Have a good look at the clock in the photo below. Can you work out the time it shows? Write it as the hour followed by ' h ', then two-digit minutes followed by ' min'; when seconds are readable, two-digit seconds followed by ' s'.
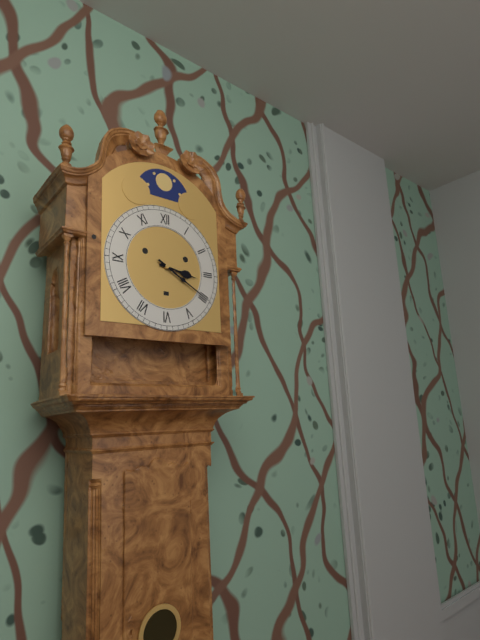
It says 3 h 20 min
